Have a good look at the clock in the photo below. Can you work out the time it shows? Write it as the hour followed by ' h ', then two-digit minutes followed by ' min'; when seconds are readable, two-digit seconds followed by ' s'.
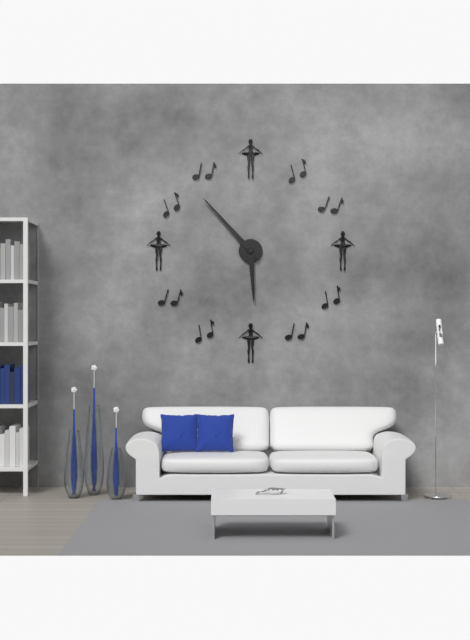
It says 5 h 53 min
